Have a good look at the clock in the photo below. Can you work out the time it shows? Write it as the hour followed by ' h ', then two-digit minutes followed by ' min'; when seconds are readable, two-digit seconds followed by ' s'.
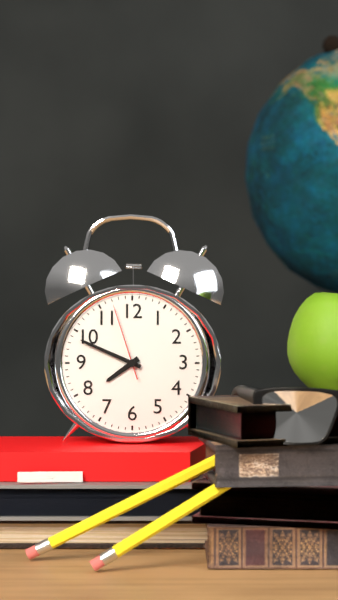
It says 7 h 49 min 57 s
